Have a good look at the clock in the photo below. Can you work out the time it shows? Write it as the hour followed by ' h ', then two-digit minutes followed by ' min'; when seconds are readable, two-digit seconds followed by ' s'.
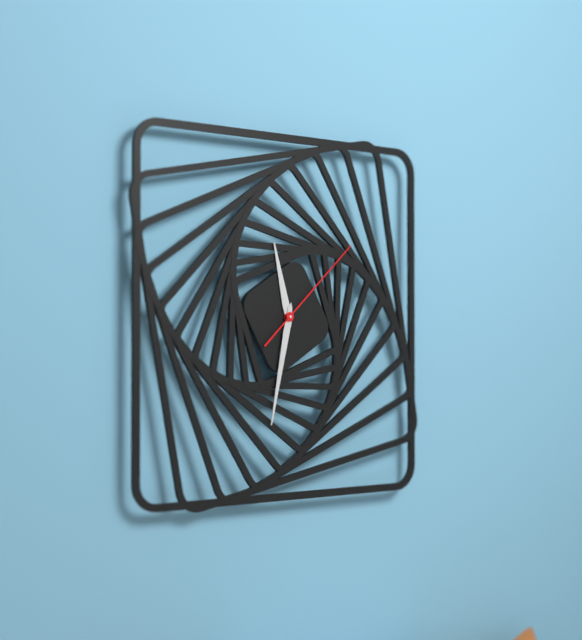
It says 11 h 32 min 08 s
